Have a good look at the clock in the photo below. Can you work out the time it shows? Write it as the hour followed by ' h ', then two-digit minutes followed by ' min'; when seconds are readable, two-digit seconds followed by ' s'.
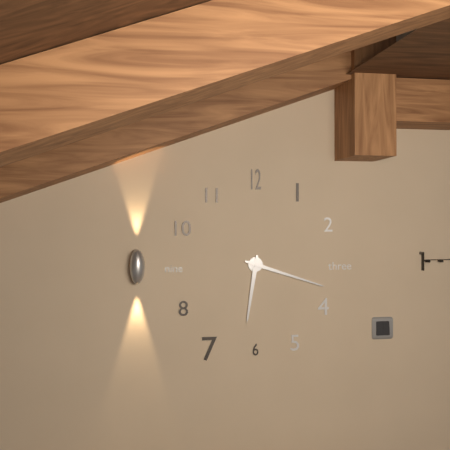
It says 6 h 18 min
